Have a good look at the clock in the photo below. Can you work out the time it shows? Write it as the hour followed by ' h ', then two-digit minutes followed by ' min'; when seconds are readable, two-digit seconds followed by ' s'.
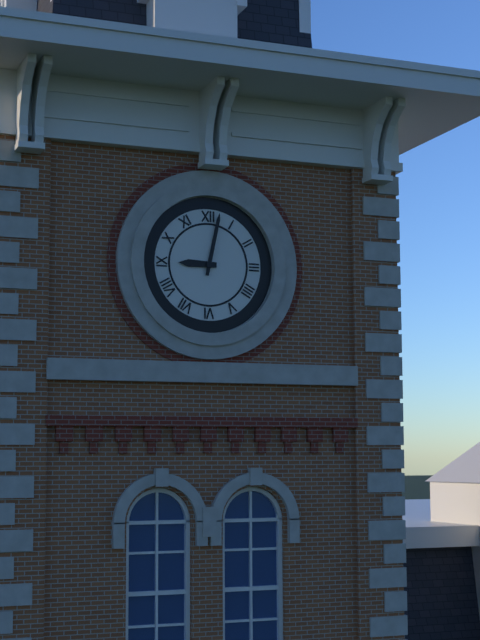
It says 9 h 02 min
